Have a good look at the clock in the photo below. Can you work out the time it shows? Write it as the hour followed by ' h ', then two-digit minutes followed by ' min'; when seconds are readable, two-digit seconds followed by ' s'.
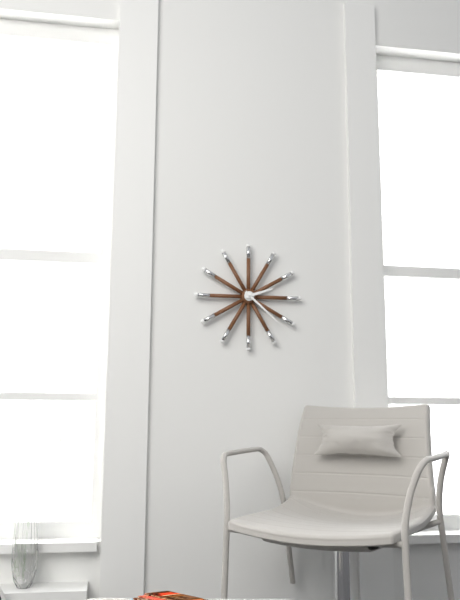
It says 2 h 22 min
